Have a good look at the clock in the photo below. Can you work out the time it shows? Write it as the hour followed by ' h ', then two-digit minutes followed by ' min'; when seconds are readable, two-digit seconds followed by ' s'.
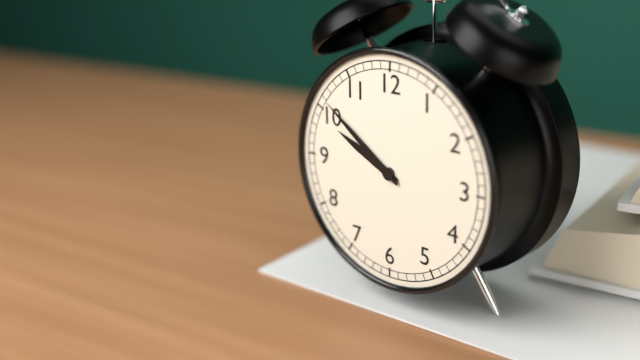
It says 9 h 51 min
